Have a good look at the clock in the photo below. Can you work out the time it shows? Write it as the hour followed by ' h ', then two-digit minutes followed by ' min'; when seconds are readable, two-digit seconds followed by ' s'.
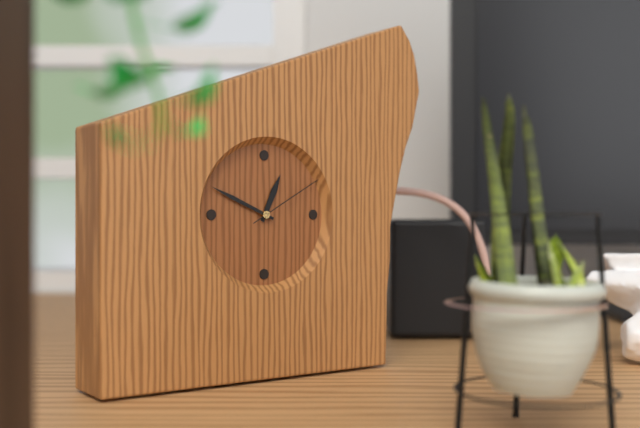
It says 12 h 49 min 10 s
